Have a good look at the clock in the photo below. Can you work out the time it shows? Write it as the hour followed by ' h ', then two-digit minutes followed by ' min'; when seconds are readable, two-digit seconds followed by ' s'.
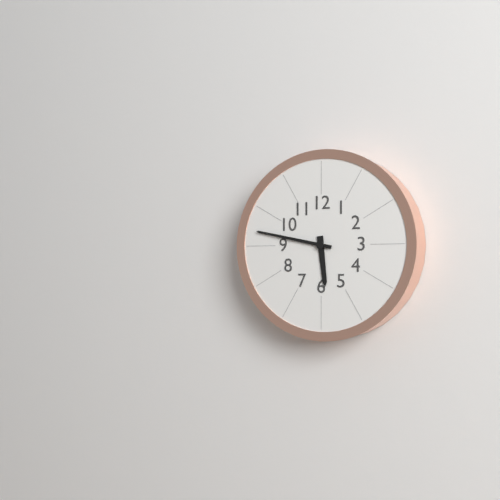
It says 5 h 47 min
